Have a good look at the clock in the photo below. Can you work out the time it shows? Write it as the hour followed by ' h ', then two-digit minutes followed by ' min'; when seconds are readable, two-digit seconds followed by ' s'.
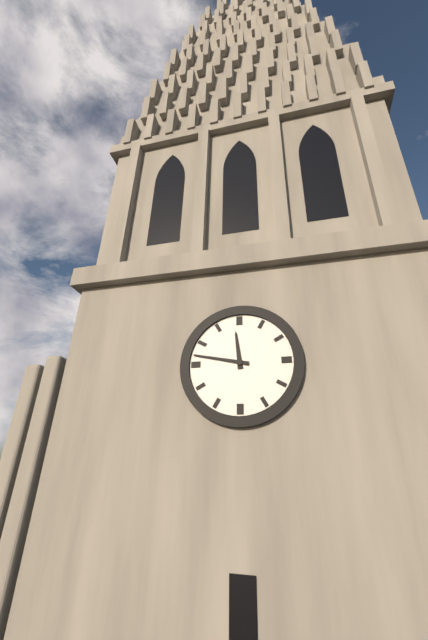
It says 11 h 47 min
